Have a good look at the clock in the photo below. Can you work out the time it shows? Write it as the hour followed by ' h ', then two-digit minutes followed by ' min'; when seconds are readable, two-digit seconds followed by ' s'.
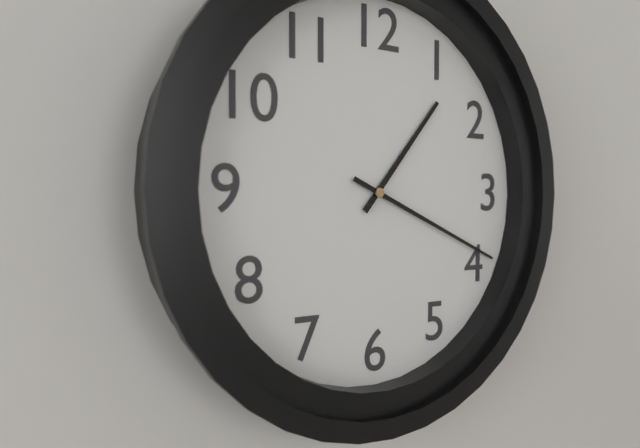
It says 1 h 19 min
